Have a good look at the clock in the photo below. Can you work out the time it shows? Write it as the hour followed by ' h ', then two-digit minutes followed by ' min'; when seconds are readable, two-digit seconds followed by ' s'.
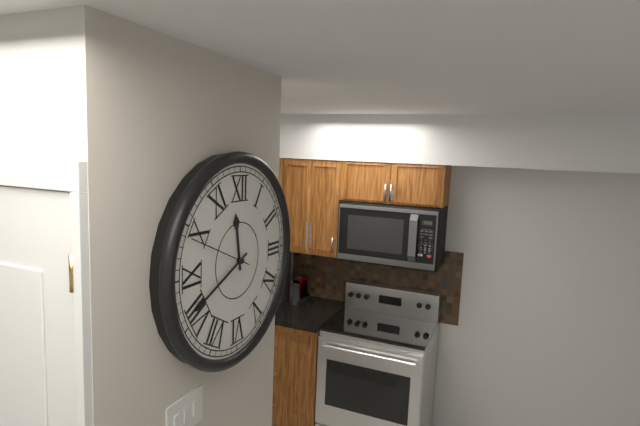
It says 11 h 41 min 49 s
